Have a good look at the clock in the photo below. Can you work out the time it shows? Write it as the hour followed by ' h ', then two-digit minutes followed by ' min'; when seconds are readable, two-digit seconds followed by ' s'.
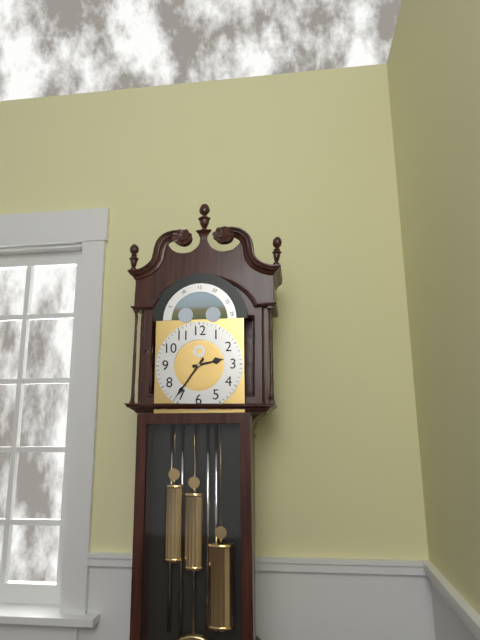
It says 2 h 36 min
